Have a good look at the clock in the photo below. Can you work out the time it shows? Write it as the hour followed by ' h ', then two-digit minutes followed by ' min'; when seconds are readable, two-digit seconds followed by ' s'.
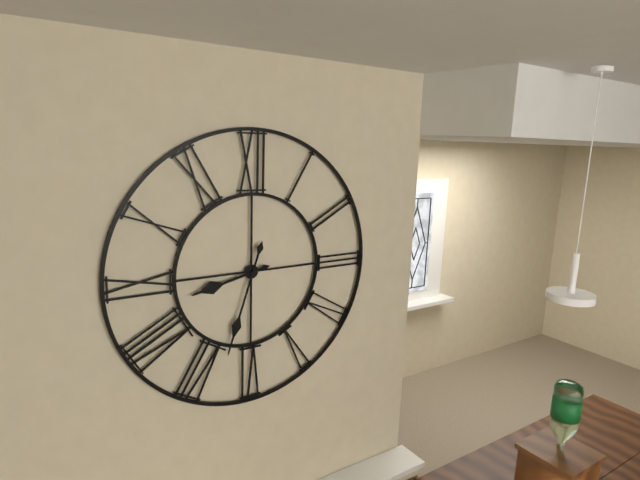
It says 8 h 33 min
